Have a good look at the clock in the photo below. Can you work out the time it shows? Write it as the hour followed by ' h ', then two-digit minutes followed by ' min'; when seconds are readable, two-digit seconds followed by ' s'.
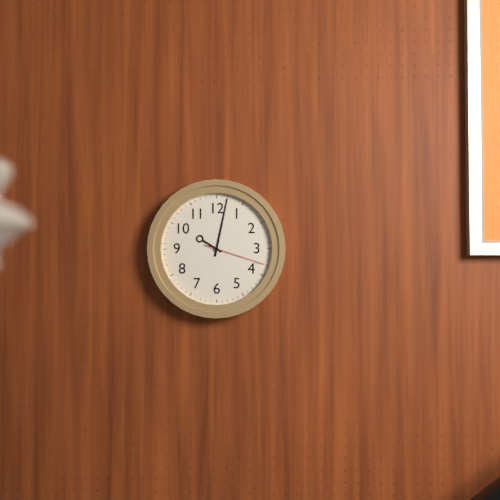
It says 10 h 02 min 18 s
